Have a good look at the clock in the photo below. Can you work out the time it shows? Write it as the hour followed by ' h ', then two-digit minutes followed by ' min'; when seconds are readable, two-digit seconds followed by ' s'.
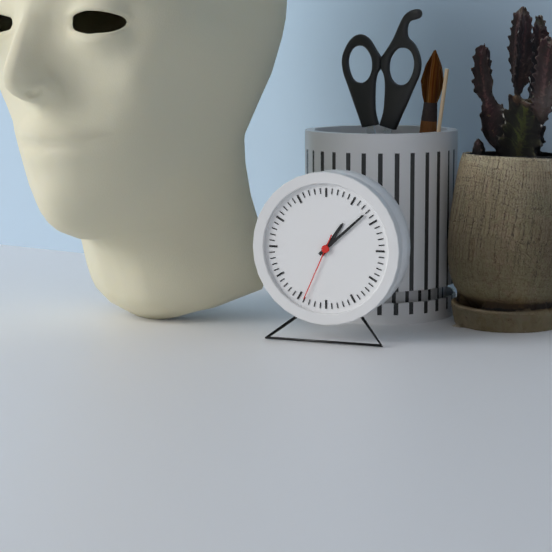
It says 1 h 08 min 34 s
